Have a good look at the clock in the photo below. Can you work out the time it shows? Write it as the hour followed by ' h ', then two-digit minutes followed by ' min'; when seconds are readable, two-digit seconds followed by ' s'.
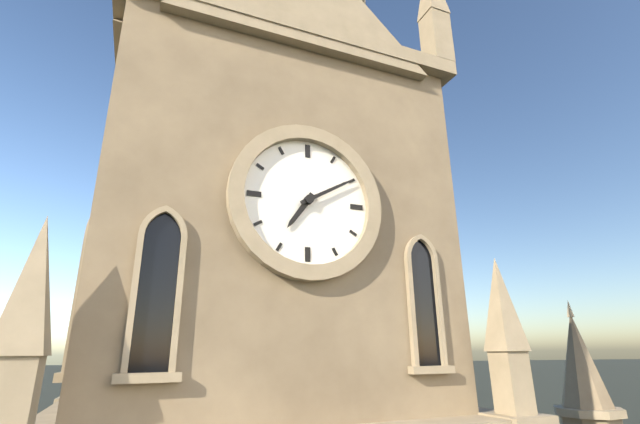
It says 7 h 10 min
